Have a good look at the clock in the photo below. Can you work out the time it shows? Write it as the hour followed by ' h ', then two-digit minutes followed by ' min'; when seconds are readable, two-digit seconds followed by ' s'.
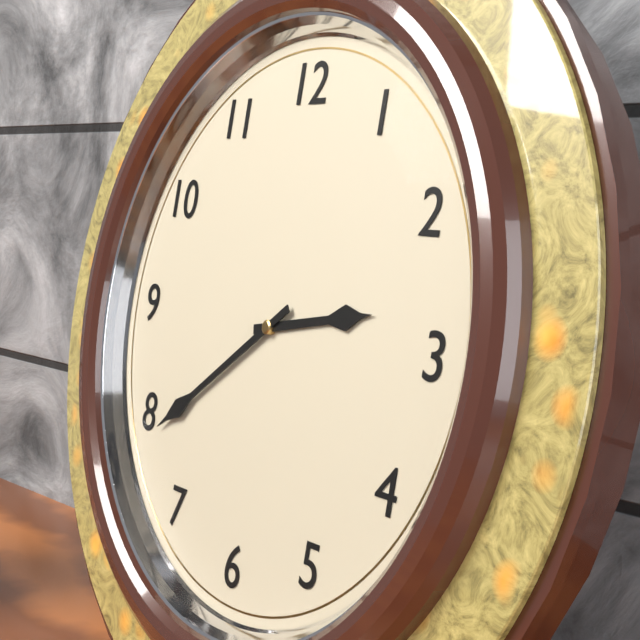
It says 2 h 39 min
